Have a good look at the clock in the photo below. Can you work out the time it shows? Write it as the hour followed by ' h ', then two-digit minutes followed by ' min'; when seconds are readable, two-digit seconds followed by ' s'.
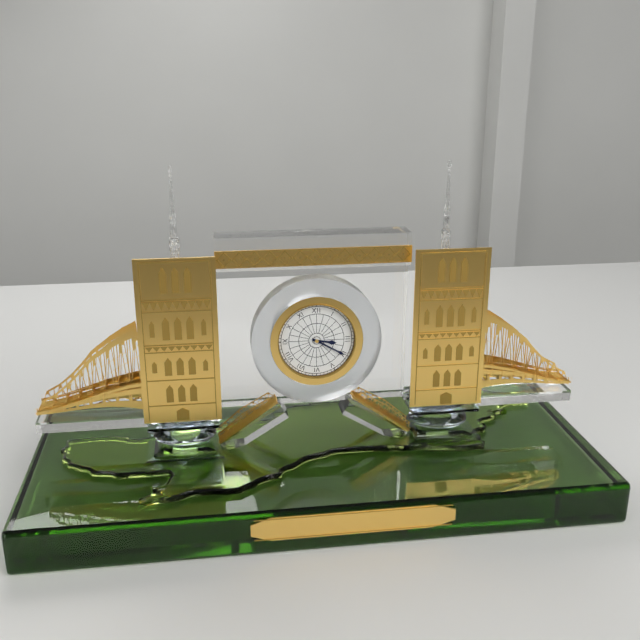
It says 3 h 20 min
